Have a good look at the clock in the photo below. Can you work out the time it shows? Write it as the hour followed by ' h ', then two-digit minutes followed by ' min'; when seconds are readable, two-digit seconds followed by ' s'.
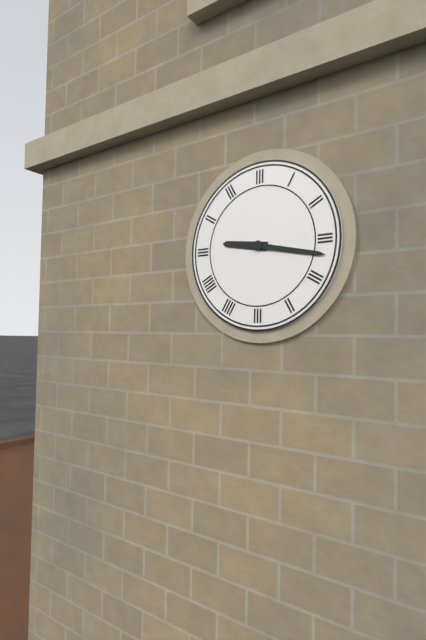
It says 9 h 17 min
